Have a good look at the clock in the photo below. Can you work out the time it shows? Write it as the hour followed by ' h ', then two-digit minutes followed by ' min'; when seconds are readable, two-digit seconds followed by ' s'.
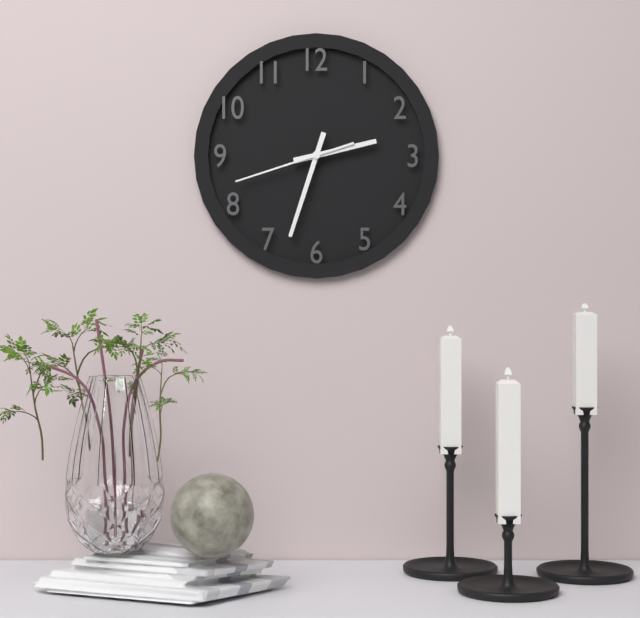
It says 2 h 33 min 42 s
